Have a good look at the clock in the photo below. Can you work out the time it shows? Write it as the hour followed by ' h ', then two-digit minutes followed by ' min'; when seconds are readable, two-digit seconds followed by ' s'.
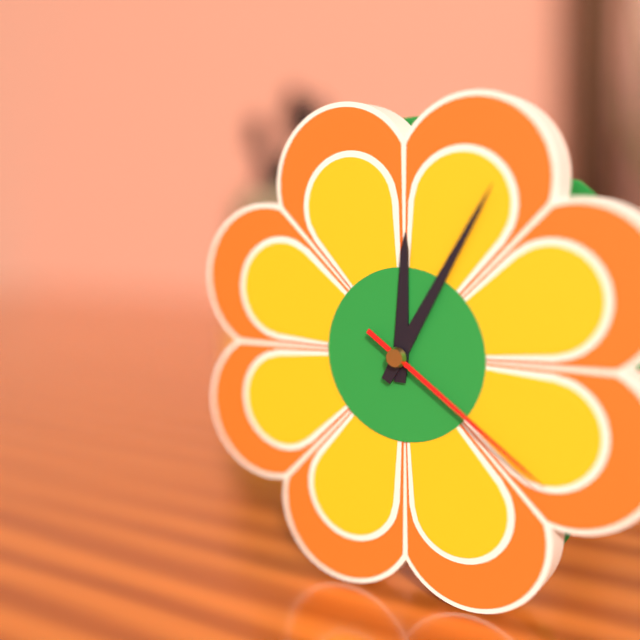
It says 12 h 05 min 21 s
